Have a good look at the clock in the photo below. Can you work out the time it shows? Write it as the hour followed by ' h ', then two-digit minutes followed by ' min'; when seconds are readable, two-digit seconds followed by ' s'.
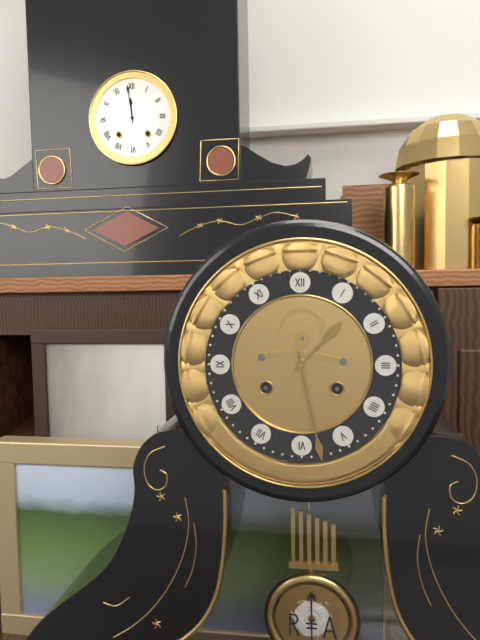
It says 1 h 28 min
